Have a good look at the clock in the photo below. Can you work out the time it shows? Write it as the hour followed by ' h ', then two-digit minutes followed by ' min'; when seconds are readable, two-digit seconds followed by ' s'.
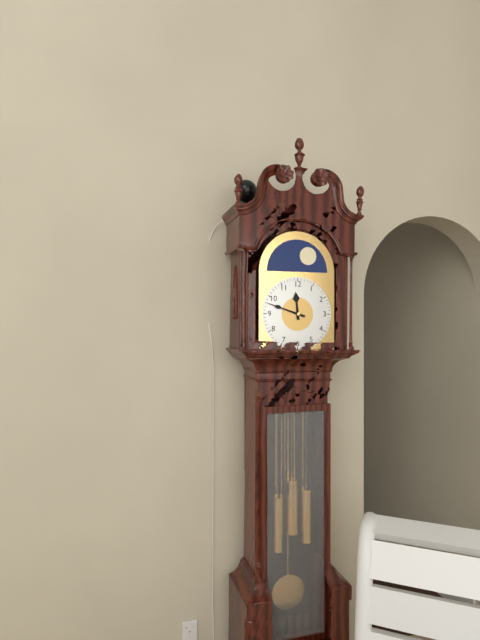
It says 11 h 48 min
